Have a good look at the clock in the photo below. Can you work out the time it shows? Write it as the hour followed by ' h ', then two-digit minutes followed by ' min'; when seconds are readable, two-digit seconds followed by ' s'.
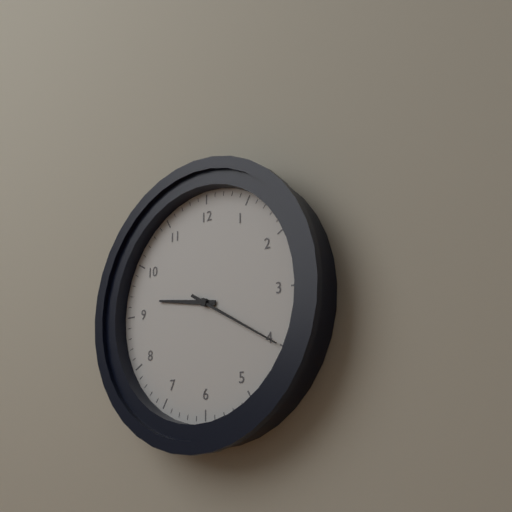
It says 9 h 20 min
